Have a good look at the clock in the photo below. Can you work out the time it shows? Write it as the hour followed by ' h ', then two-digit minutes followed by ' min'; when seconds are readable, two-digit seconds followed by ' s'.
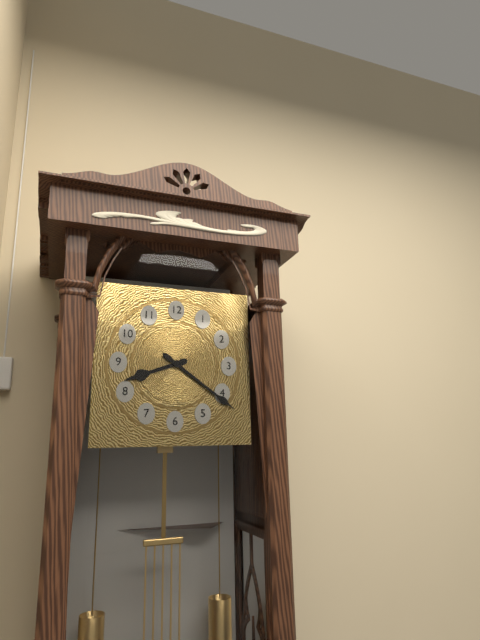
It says 8 h 21 min
